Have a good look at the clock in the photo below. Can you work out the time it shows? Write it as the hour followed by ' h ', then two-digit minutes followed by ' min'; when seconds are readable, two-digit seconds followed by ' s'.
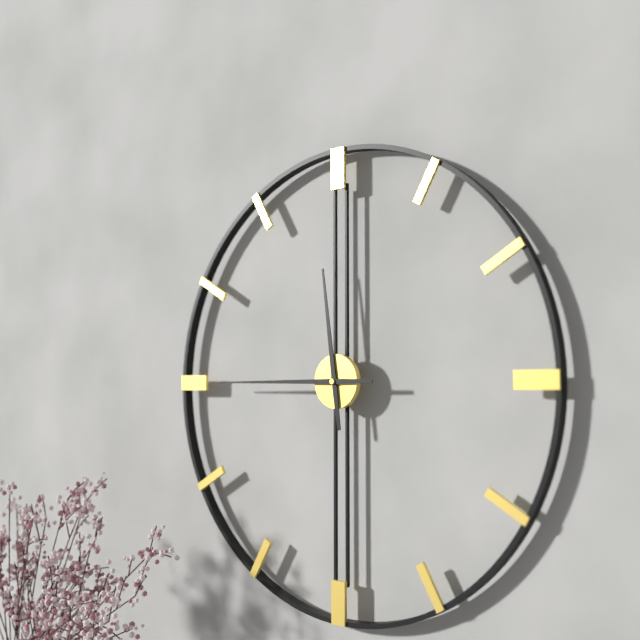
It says 11 h 45 min
